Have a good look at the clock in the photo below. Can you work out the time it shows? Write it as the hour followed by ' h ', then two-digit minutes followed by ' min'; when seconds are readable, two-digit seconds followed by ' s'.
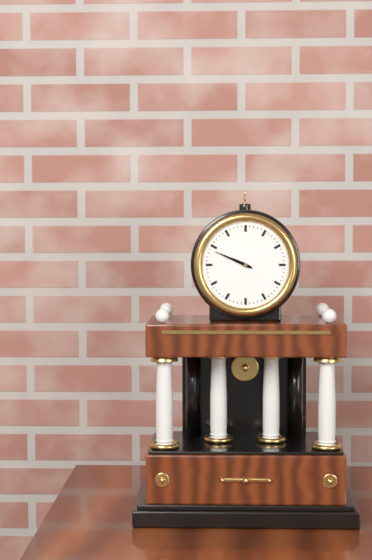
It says 9 h 49 min
